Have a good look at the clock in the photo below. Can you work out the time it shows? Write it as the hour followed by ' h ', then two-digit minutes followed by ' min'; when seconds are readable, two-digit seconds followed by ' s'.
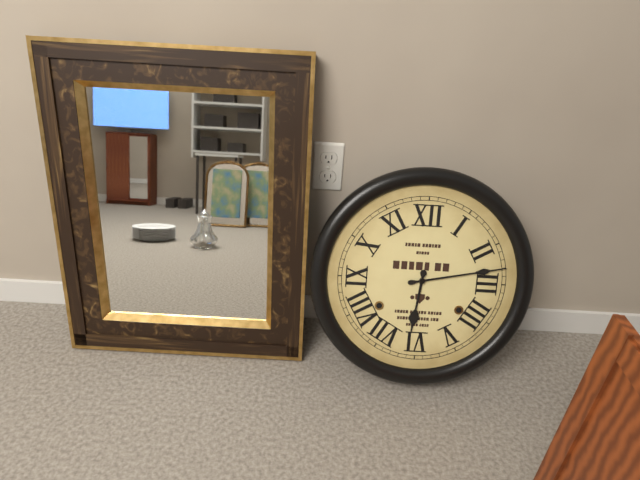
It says 6 h 13 min
